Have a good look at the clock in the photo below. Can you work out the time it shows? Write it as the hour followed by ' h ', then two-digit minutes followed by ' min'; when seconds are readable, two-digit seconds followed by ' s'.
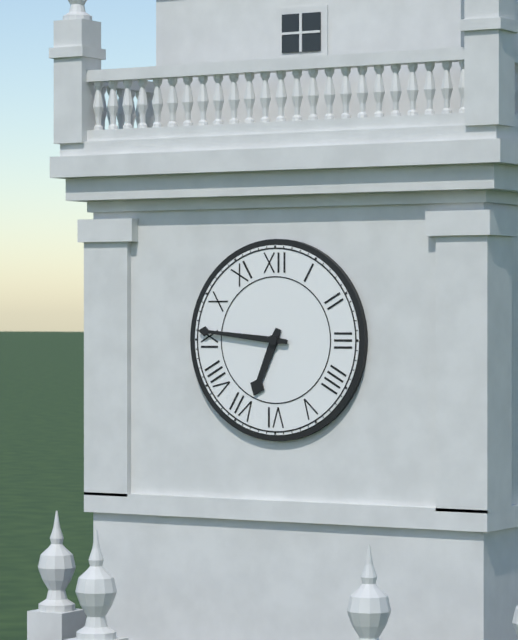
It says 6 h 46 min
